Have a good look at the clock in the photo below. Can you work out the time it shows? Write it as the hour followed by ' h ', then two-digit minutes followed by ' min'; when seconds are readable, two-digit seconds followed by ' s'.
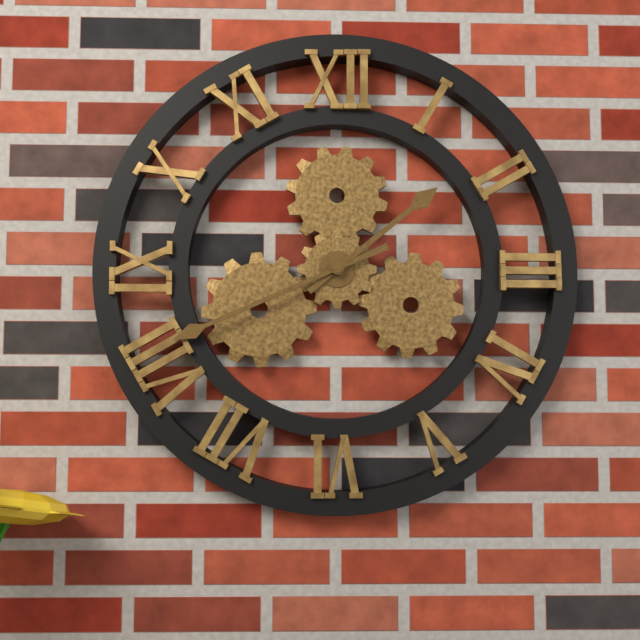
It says 1 h 41 min
